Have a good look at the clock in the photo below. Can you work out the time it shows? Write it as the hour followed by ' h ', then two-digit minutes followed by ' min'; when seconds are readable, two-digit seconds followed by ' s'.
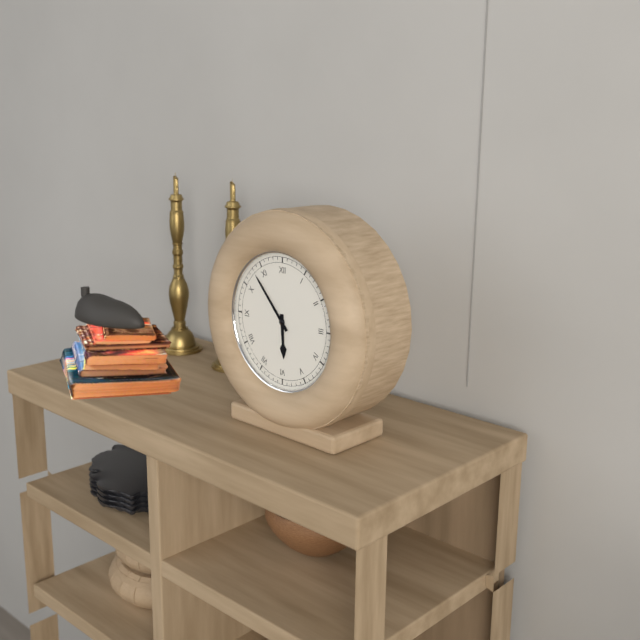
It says 5 h 53 min
